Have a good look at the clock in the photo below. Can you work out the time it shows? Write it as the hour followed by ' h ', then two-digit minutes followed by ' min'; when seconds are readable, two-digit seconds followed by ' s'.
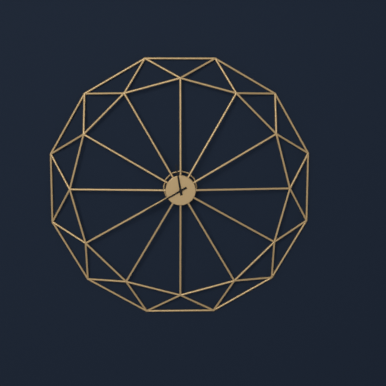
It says 11 h 40 min
